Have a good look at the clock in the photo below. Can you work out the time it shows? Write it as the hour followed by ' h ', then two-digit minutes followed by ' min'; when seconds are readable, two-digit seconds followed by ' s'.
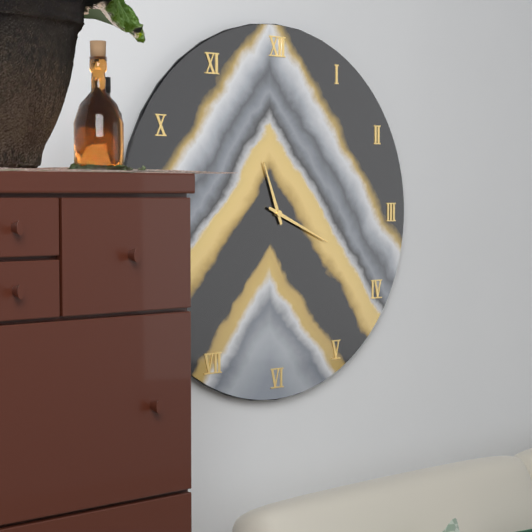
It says 11 h 19 min
